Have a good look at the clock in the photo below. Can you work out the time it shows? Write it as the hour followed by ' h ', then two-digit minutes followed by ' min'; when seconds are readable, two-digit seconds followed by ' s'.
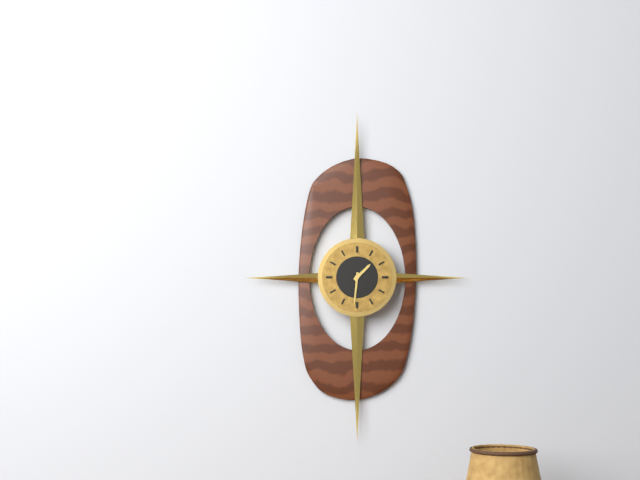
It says 1 h 31 min
